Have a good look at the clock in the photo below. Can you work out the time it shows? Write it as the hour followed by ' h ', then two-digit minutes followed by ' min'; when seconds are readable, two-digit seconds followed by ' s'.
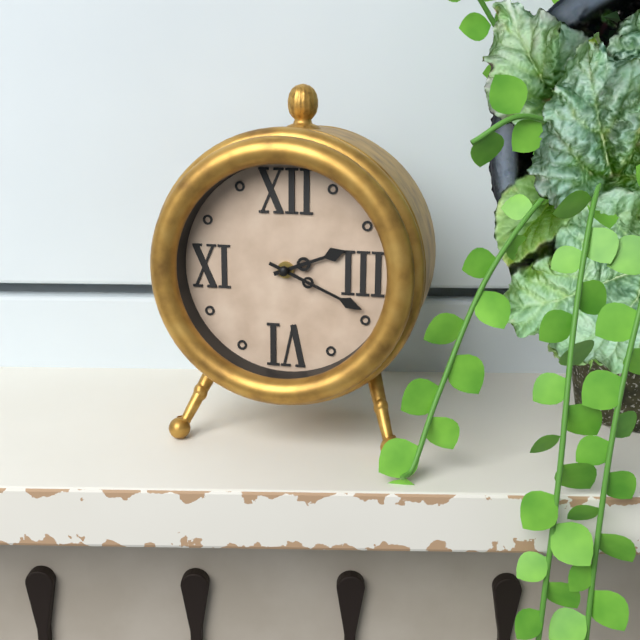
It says 2 h 19 min
